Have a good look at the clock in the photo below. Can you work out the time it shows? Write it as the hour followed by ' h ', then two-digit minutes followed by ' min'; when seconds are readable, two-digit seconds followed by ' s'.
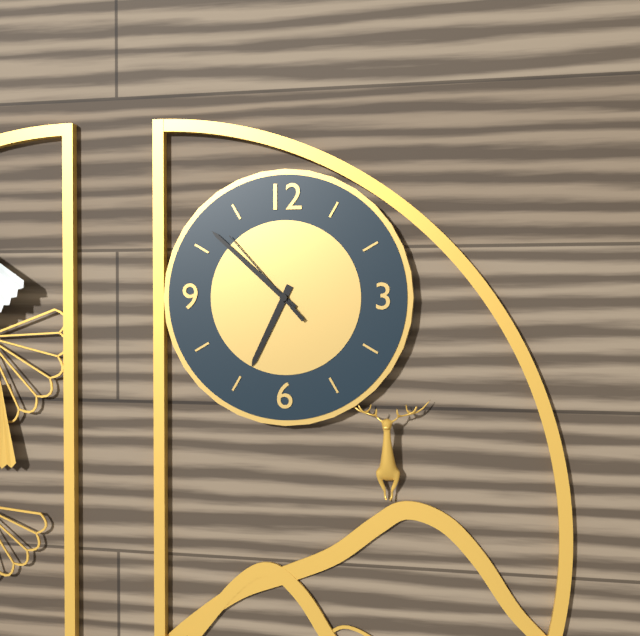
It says 6 h 52 min 53 s
